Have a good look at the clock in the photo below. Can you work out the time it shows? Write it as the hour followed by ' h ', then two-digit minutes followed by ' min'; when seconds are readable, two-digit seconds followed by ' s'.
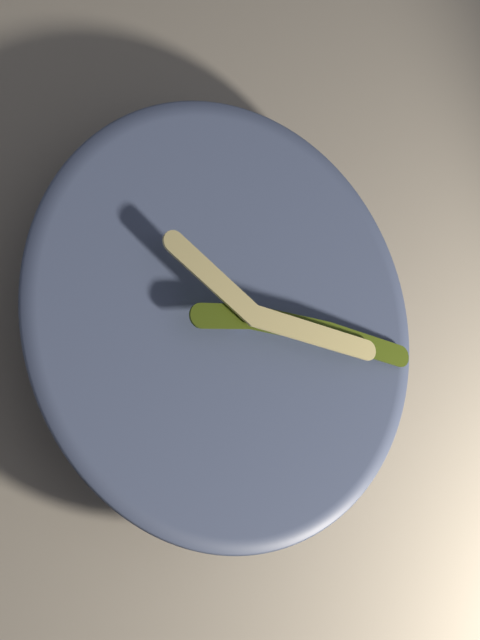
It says 3 h 16 min
